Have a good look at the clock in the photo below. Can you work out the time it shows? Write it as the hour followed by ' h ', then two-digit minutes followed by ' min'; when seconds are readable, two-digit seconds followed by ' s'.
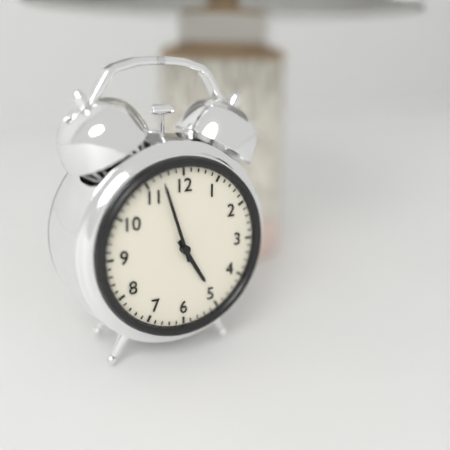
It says 4 h 57 min
